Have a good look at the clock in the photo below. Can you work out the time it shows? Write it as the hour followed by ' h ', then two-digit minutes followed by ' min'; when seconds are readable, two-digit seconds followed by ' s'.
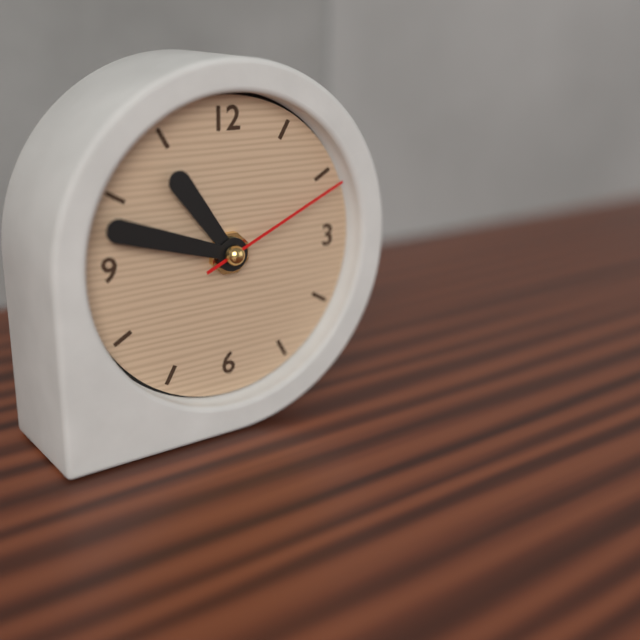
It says 10 h 48 min 11 s
